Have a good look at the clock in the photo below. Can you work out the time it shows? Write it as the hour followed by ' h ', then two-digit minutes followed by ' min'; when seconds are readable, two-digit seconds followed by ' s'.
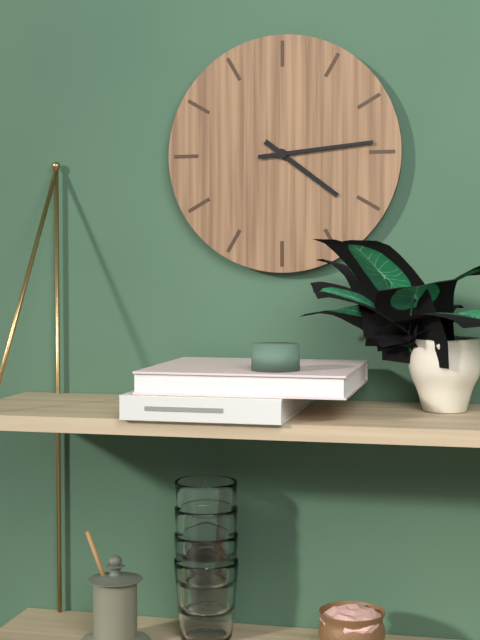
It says 4 h 14 min
